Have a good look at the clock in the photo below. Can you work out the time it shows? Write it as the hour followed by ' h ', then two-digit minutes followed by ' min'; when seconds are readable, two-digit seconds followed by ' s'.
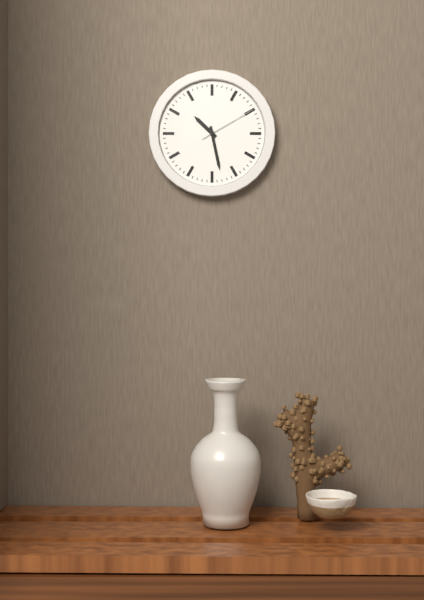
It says 10 h 28 min 10 s
